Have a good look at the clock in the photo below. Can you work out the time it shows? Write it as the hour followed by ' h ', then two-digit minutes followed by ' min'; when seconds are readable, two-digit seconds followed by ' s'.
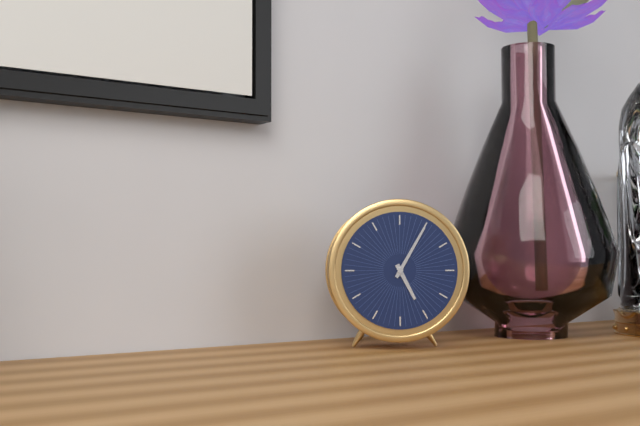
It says 5 h 05 min
